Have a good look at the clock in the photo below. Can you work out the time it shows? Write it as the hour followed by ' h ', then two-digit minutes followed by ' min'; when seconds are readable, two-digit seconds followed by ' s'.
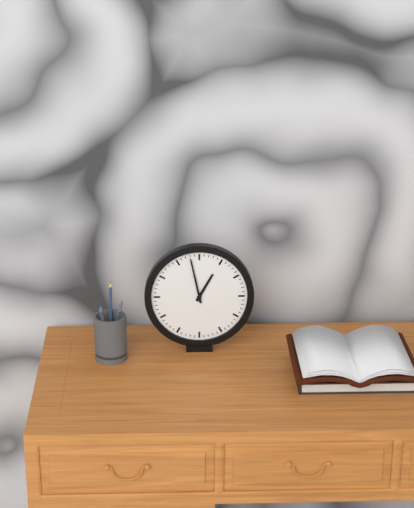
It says 12 h 58 min
